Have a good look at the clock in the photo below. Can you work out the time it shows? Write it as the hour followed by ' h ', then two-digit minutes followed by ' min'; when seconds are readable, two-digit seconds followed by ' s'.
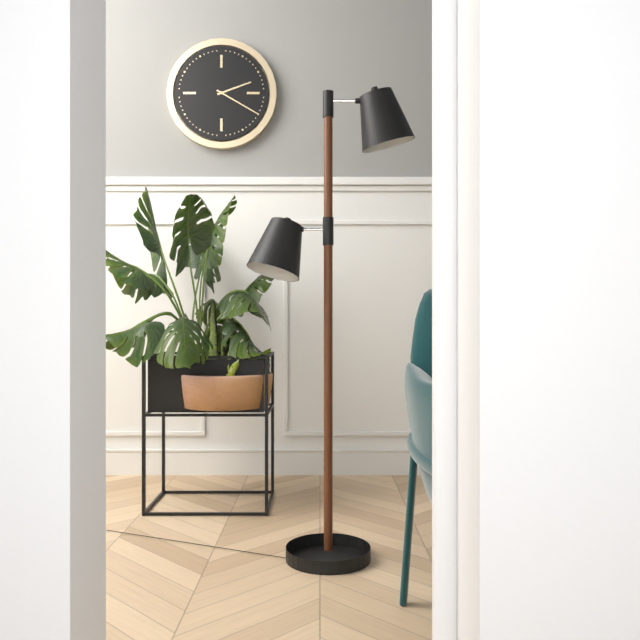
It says 2 h 20 min
